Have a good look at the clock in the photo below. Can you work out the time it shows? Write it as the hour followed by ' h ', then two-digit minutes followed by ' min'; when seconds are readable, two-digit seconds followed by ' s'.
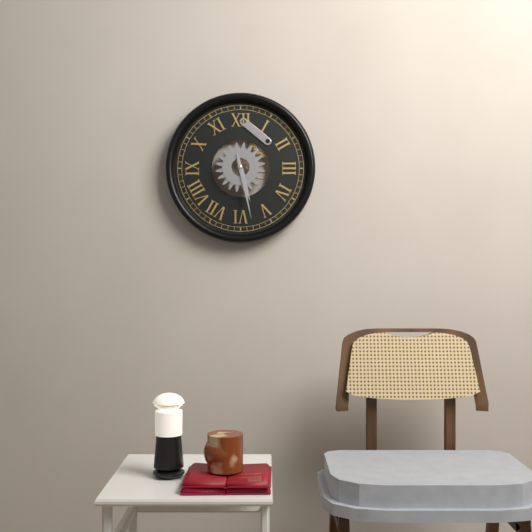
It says 5 h 28 min
